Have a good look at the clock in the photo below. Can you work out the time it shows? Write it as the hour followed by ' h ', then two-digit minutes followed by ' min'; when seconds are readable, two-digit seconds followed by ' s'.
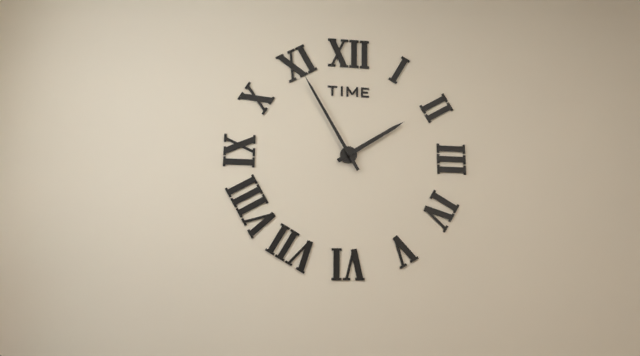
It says 1 h 55 min
